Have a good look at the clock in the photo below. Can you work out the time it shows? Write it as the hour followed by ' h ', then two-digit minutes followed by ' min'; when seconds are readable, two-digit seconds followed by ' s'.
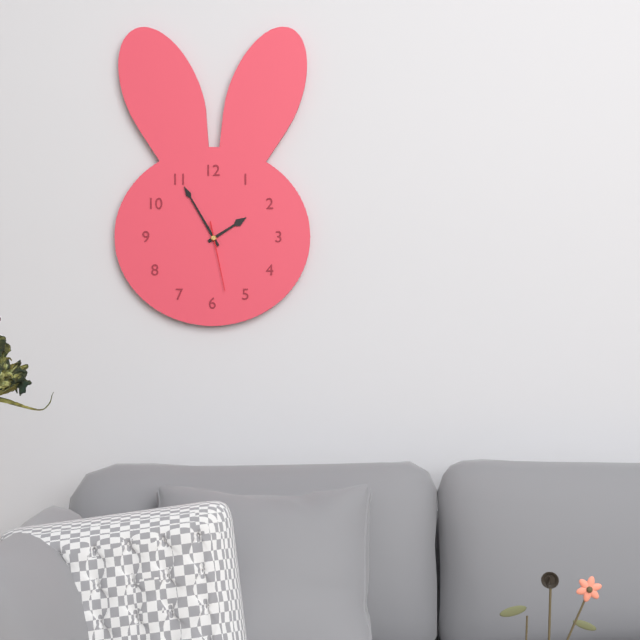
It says 1 h 55 min 28 s
